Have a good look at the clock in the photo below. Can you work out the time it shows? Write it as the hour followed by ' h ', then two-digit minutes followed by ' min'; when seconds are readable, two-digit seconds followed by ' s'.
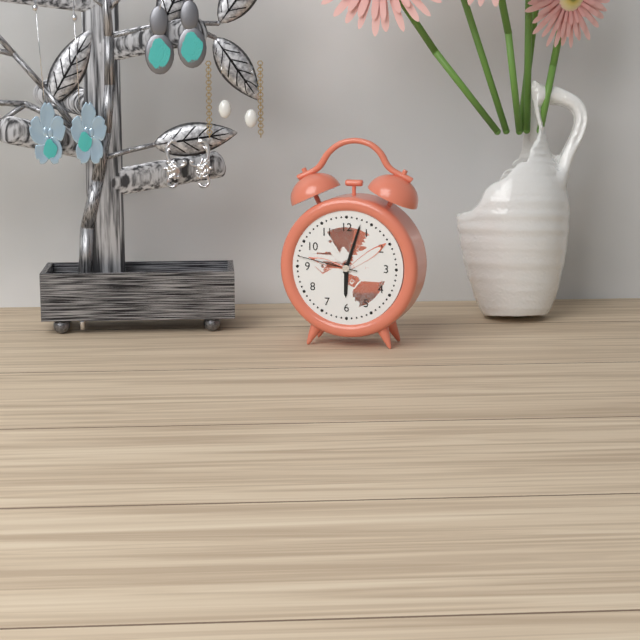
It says 6 h 03 min 47 s
